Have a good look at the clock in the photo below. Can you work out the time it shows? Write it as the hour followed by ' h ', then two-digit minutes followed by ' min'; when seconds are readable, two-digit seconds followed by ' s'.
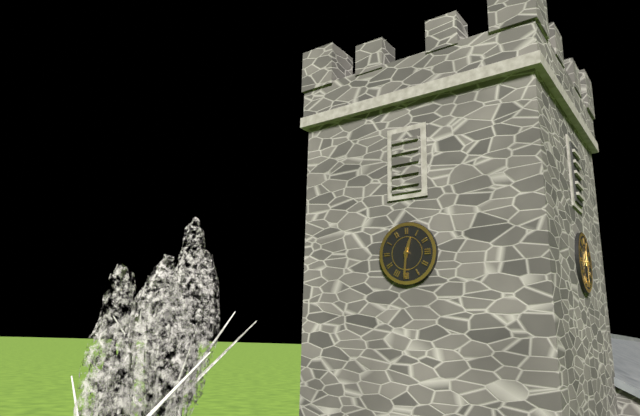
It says 12 h 31 min
